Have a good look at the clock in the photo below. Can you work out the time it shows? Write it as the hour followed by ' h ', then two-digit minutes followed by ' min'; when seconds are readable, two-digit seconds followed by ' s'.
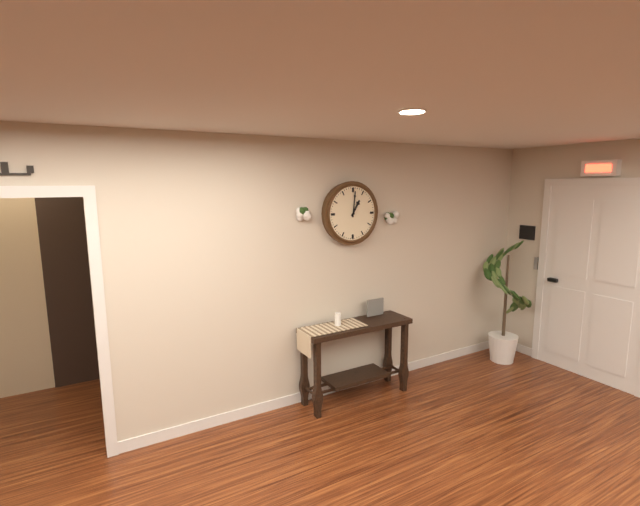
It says 1 h 01 min
